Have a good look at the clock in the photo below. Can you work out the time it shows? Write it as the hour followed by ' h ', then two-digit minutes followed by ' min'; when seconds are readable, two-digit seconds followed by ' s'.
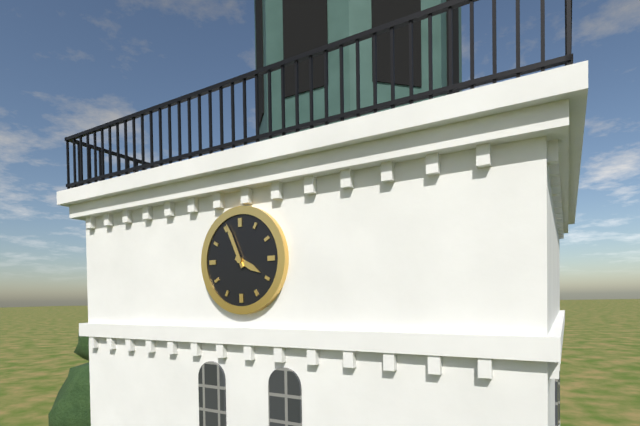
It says 3 h 56 min
